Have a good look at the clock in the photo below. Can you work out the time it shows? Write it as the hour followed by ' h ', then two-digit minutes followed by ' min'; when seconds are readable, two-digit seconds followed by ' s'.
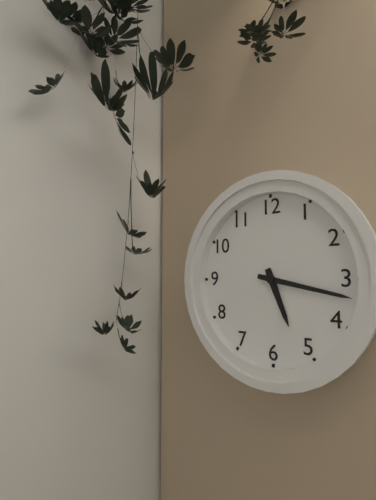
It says 5 h 17 min
